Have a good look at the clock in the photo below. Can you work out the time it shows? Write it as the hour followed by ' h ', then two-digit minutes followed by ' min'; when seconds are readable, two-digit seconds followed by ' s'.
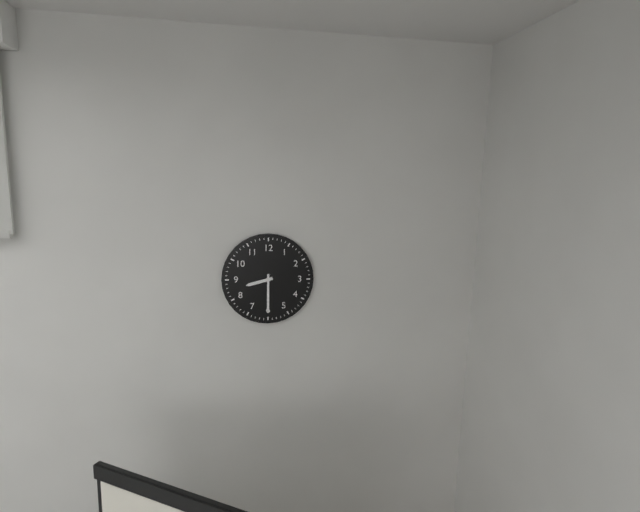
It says 8 h 30 min
